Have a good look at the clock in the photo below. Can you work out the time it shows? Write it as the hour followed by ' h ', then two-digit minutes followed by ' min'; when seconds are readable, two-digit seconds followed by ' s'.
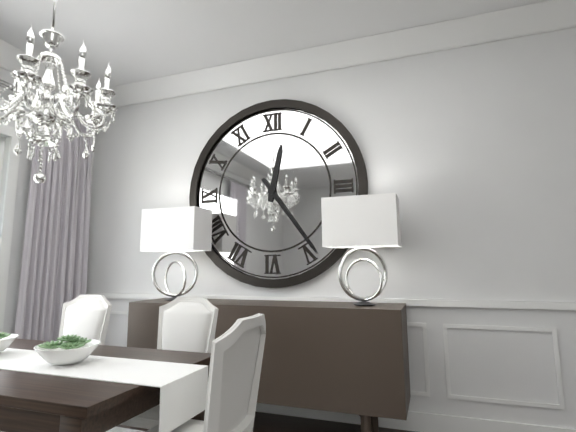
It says 12 h 24 min
